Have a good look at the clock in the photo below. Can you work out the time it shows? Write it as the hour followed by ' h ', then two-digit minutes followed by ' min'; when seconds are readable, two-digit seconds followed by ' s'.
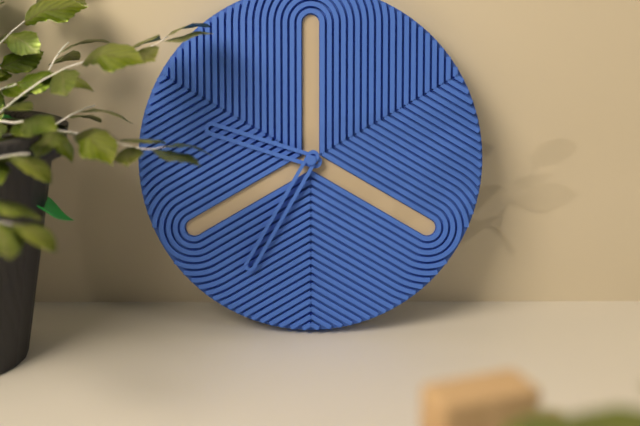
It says 9 h 35 min
